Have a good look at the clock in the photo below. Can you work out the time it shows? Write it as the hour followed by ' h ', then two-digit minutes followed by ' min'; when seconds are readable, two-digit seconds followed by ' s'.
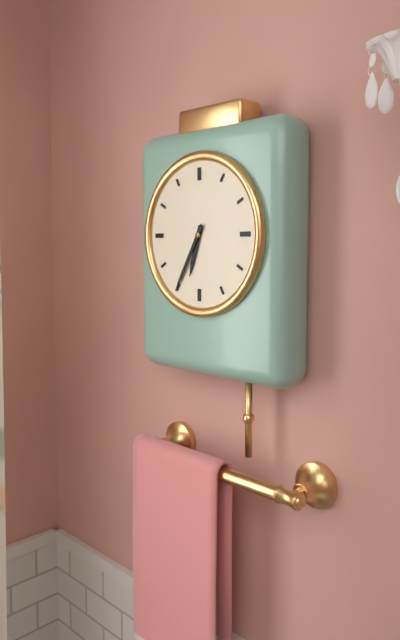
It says 6 h 35 min
